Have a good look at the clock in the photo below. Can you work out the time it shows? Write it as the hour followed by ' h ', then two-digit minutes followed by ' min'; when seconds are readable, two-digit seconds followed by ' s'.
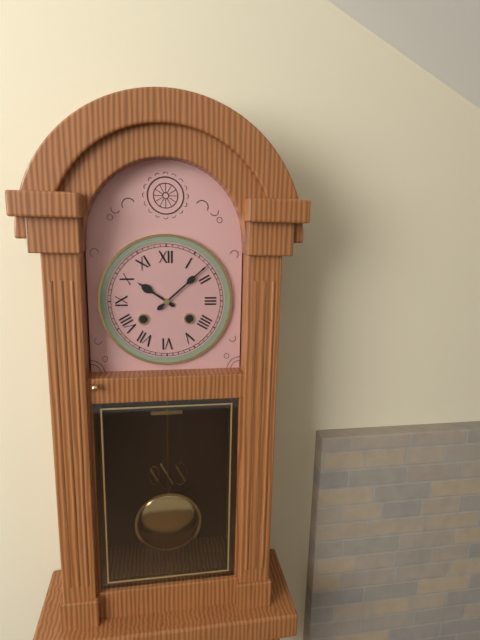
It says 10 h 08 min
